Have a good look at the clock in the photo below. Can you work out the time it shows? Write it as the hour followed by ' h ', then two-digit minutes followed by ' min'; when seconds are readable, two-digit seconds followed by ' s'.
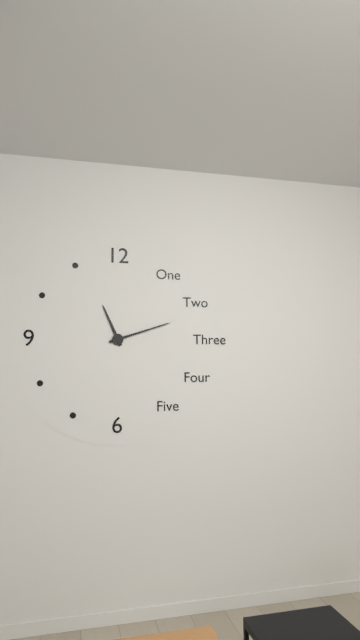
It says 11 h 12 min
